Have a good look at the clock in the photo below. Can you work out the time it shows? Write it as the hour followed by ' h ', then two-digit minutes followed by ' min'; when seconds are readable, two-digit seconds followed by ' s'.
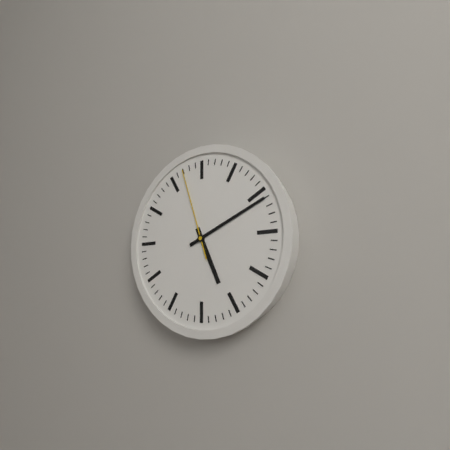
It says 5 h 11 min 57 s
